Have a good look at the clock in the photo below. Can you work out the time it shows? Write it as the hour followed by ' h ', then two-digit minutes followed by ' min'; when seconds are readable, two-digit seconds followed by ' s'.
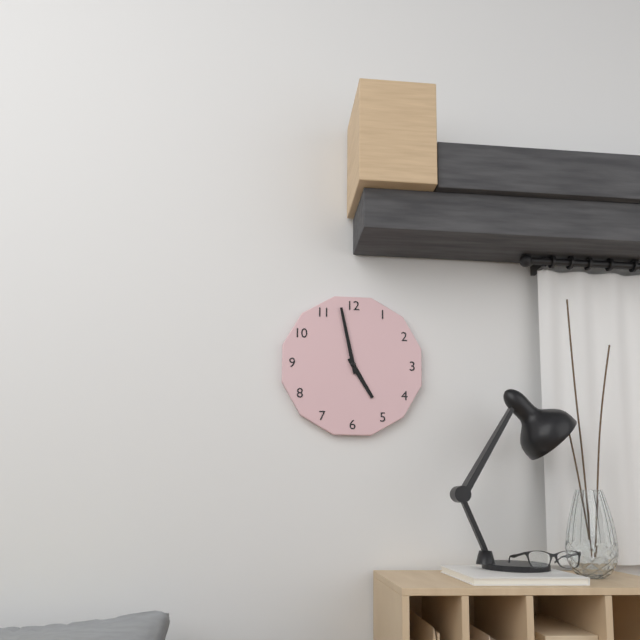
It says 4 h 58 min
